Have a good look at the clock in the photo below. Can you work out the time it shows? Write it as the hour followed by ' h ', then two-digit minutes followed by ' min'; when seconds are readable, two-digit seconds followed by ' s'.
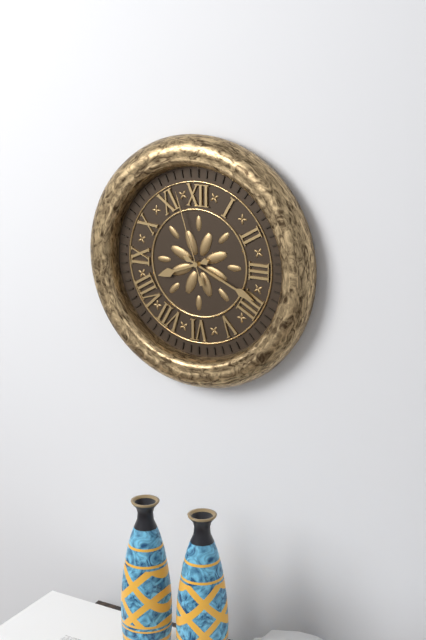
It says 8 h 19 min 57 s
